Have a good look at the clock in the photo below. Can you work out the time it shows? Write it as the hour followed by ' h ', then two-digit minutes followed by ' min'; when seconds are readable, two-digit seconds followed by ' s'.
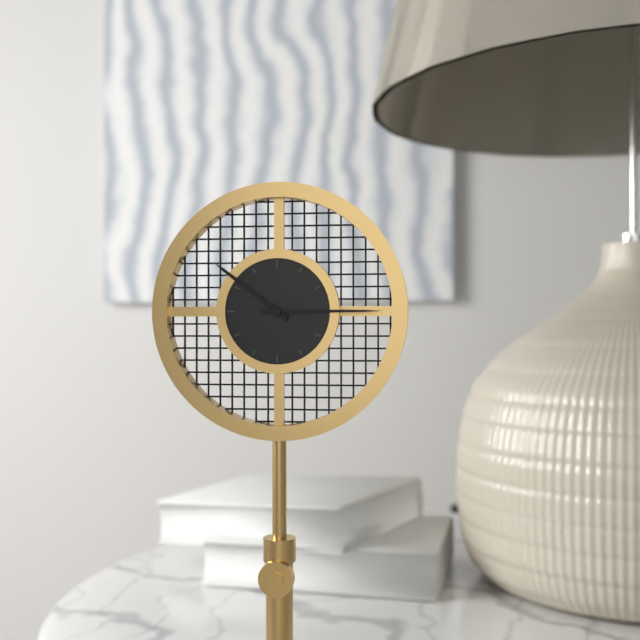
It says 10 h 15 min
